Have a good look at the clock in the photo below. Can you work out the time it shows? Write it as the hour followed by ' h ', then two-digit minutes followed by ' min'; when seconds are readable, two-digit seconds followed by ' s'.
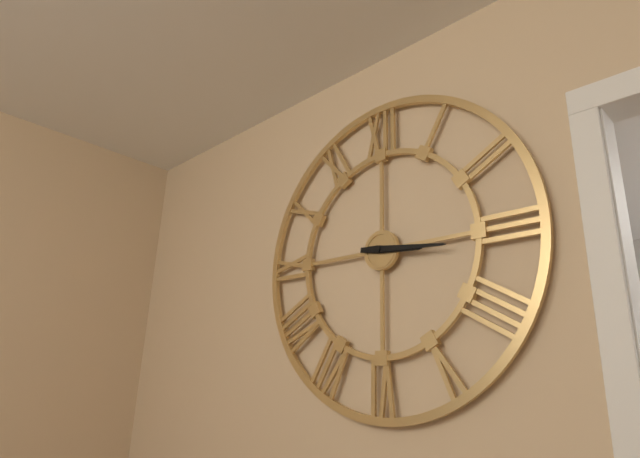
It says 3 h 16 min
